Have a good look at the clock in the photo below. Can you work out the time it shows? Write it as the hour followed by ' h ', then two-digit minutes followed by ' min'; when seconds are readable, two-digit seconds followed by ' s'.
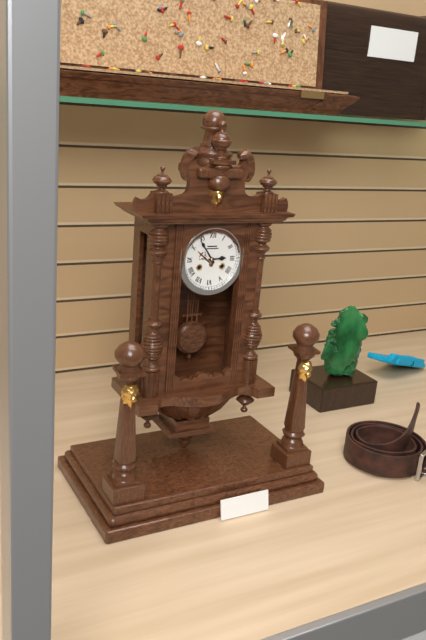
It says 2 h 54 min
